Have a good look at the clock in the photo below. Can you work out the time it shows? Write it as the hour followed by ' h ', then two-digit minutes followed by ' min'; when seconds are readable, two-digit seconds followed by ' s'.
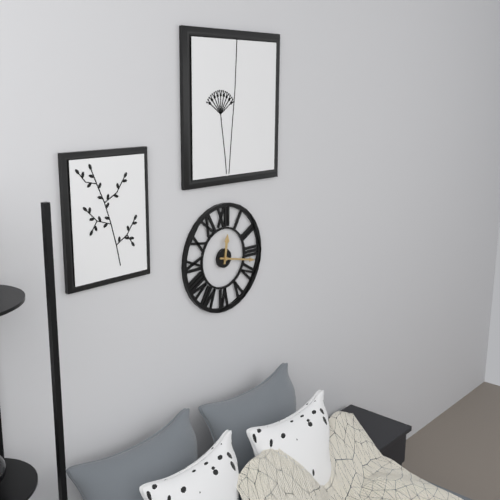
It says 12 h 17 min
